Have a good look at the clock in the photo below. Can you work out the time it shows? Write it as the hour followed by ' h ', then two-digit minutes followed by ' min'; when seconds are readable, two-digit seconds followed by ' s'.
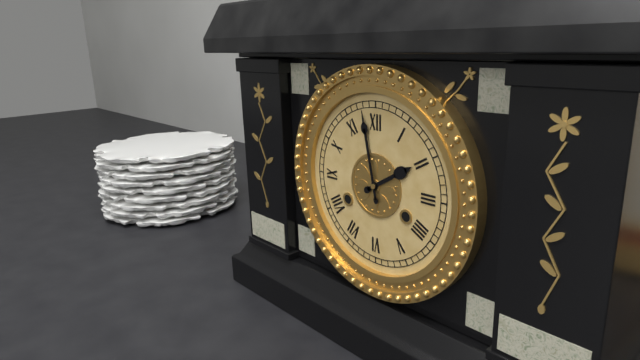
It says 1 h 58 min
